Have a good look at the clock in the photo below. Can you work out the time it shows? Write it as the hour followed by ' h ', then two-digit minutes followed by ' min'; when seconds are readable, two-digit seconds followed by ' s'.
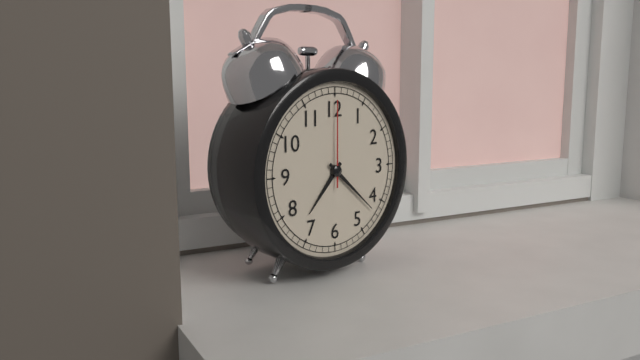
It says 7 h 22 min 00 s
